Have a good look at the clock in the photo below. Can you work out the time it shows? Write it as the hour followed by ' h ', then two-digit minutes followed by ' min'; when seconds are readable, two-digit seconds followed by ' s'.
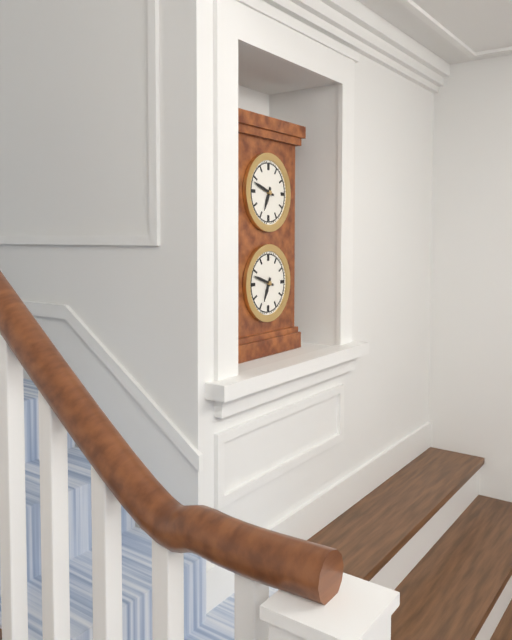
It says 6 h 48 min
